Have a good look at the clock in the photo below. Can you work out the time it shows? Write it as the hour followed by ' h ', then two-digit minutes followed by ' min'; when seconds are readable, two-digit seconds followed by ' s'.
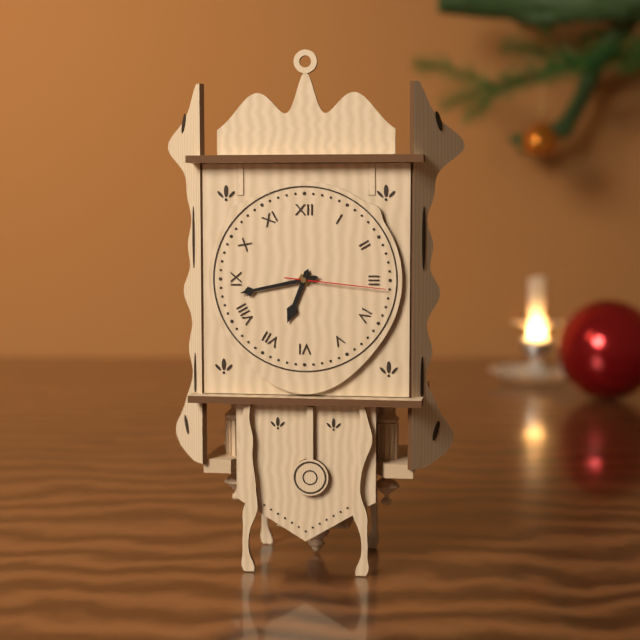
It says 6 h 43 min 16 s
